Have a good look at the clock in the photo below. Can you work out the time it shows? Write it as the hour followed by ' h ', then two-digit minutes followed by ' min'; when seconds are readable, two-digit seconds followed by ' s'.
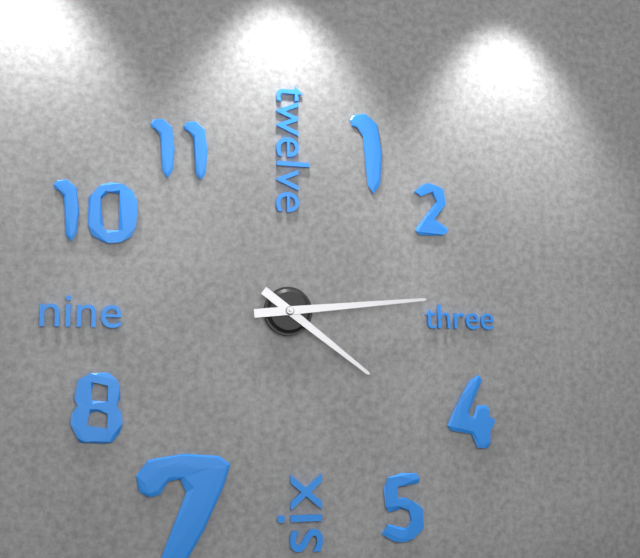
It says 4 h 14 min
